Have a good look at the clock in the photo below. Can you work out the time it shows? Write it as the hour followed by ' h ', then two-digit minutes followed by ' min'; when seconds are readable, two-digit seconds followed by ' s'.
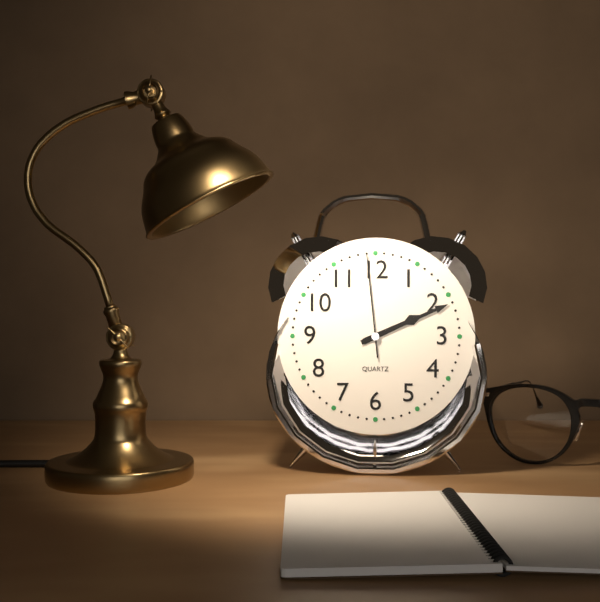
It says 2 h 11 min 59 s
